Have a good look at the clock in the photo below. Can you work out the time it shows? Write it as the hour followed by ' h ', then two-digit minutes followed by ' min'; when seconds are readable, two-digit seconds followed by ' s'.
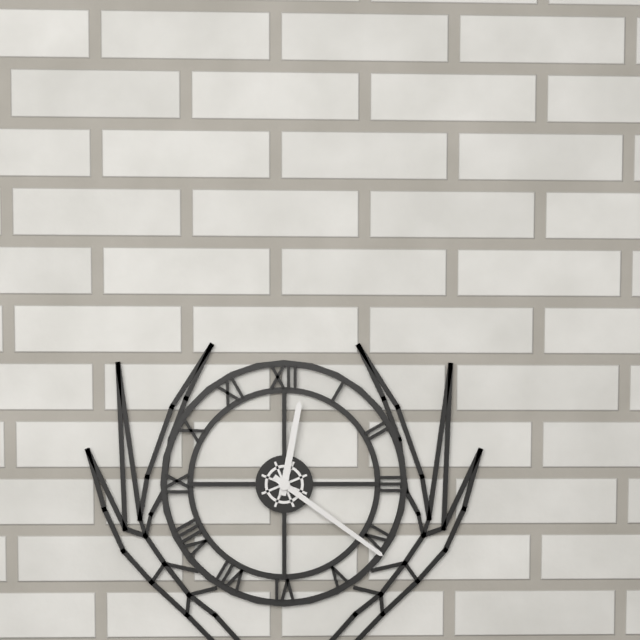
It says 12 h 21 min
